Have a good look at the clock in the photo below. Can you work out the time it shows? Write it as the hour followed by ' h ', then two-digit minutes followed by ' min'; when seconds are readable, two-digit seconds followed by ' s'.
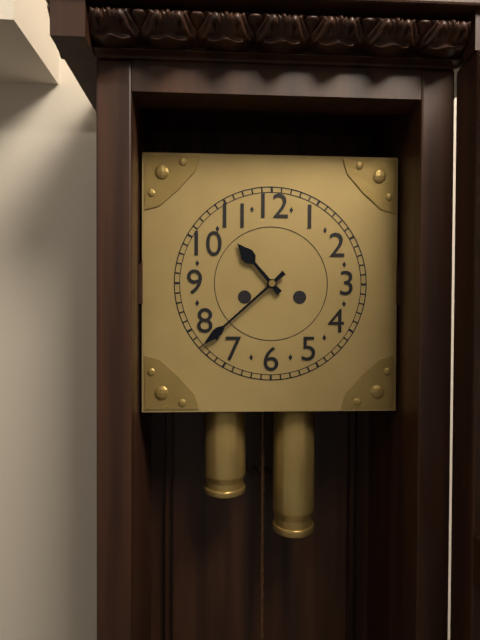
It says 10 h 38 min
